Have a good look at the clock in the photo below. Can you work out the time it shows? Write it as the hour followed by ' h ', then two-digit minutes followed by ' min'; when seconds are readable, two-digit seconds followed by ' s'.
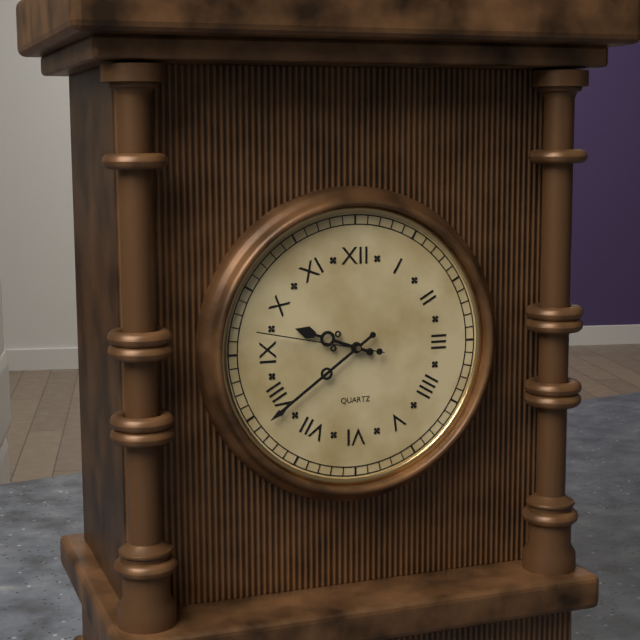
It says 9 h 39 min 47 s
